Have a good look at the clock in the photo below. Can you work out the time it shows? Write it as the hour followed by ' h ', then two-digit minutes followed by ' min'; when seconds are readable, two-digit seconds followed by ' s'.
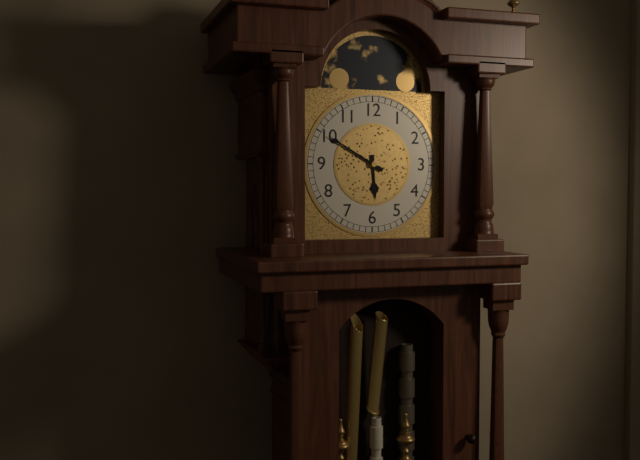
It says 5 h 50 min
